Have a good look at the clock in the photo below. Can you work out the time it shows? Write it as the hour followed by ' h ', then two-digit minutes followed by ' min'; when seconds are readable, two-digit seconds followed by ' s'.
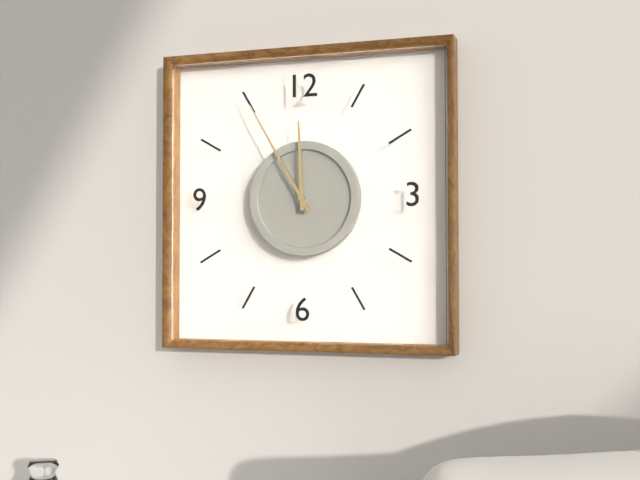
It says 11 h 55 min
